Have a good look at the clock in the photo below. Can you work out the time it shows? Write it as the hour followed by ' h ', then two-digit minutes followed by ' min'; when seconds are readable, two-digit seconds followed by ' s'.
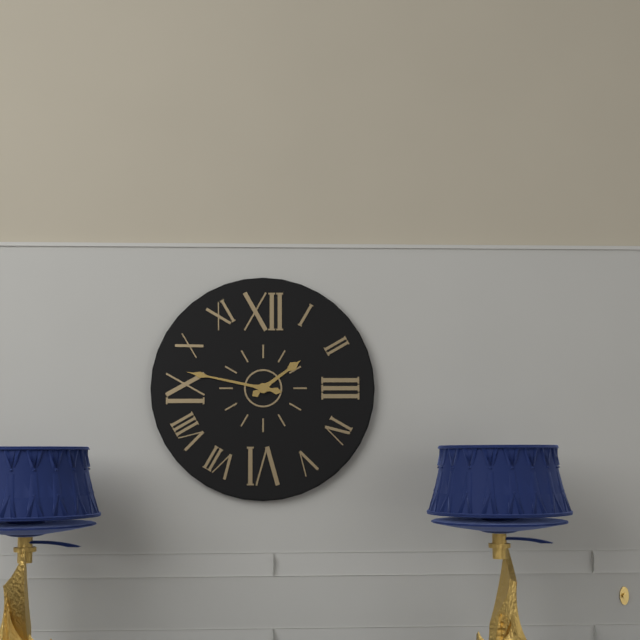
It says 1 h 47 min
